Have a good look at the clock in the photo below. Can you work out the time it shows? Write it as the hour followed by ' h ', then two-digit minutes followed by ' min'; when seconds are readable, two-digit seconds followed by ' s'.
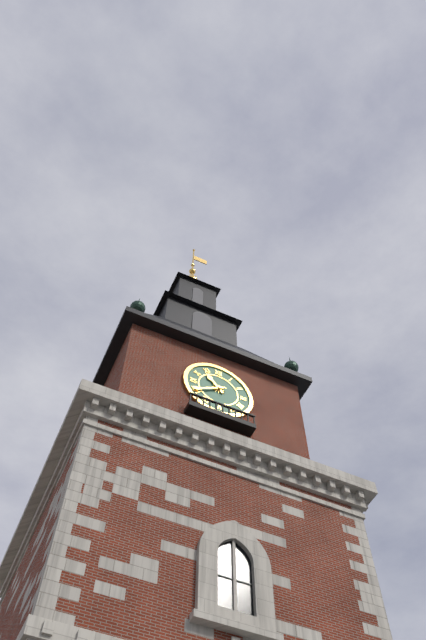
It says 10 h 40 min
